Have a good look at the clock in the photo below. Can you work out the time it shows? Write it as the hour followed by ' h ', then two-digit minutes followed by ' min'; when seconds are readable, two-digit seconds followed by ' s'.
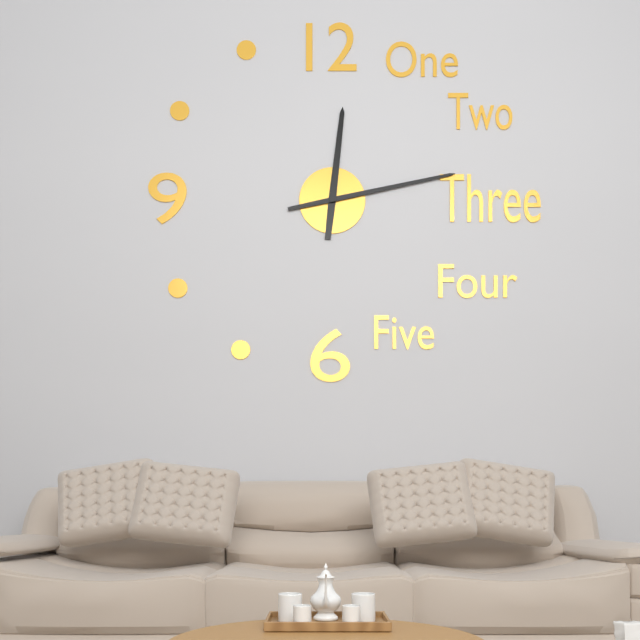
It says 12 h 13 min
